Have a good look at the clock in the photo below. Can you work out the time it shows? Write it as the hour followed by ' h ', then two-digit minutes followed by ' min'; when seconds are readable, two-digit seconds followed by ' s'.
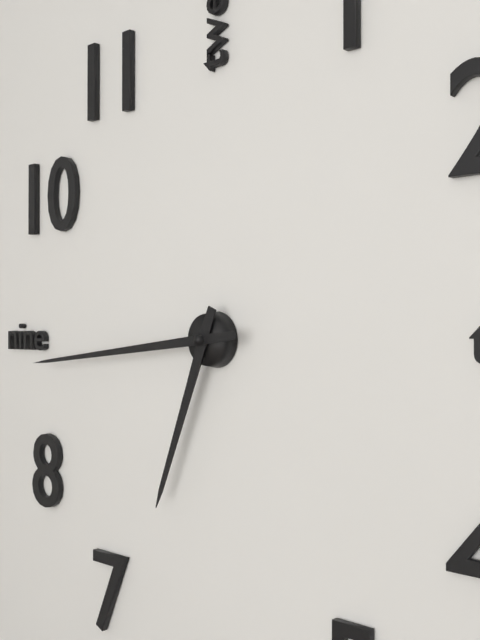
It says 6 h 44 min
